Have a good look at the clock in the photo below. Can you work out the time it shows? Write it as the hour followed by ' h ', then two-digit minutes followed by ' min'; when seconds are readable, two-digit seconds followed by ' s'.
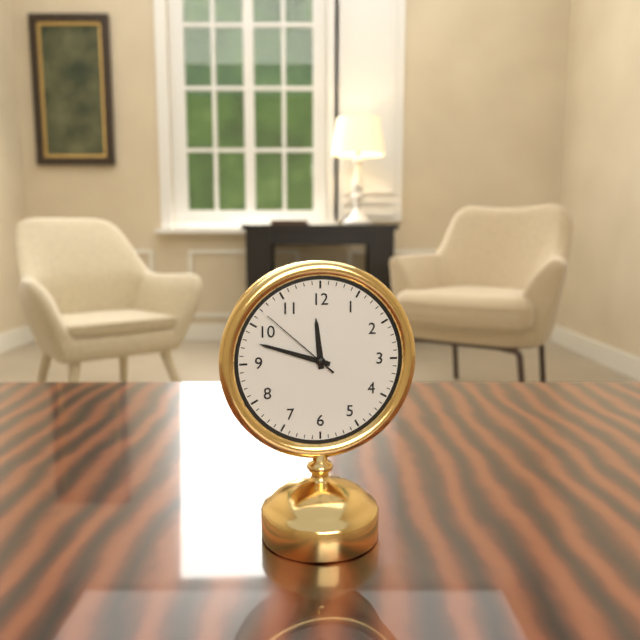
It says 11 h 48 min 52 s
